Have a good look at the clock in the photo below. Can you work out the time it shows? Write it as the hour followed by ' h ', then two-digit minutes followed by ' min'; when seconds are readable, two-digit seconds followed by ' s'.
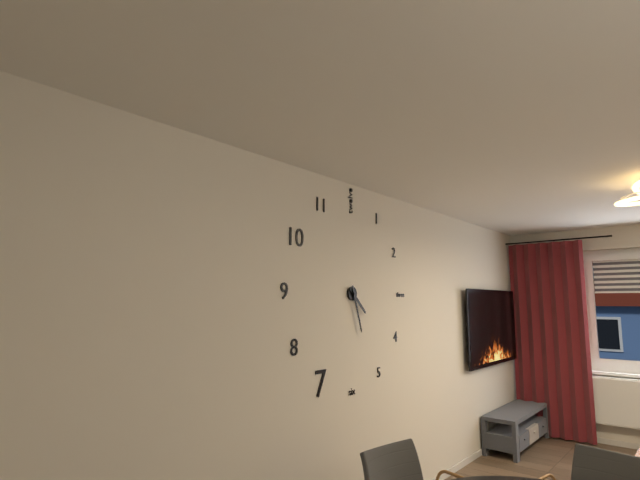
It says 4 h 27 min
